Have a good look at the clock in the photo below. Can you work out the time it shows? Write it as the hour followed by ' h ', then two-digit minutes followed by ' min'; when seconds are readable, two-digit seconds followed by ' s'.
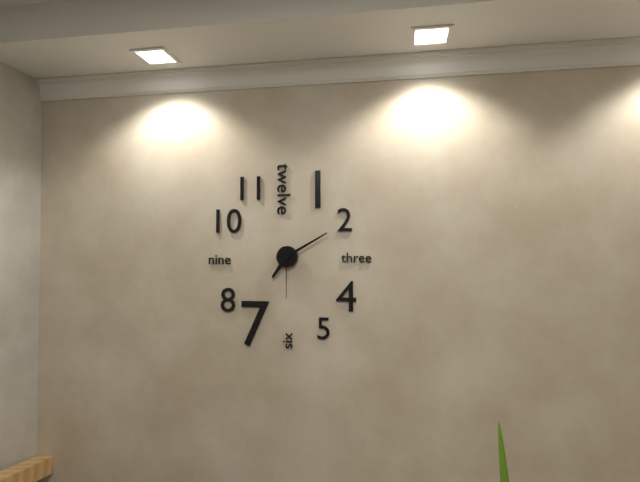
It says 7 h 10 min 30 s
